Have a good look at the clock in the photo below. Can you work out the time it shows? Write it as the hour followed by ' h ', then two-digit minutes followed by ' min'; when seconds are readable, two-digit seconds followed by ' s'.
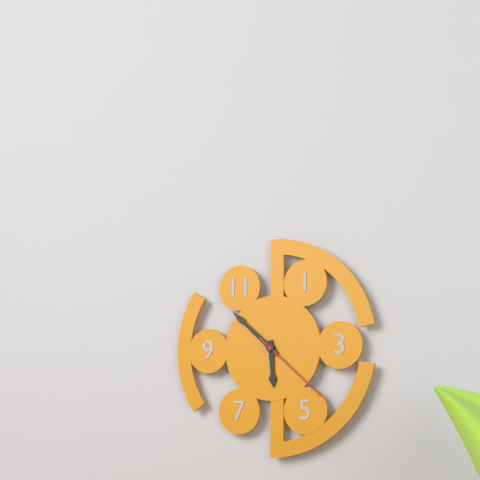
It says 5 h 52 min 22 s
